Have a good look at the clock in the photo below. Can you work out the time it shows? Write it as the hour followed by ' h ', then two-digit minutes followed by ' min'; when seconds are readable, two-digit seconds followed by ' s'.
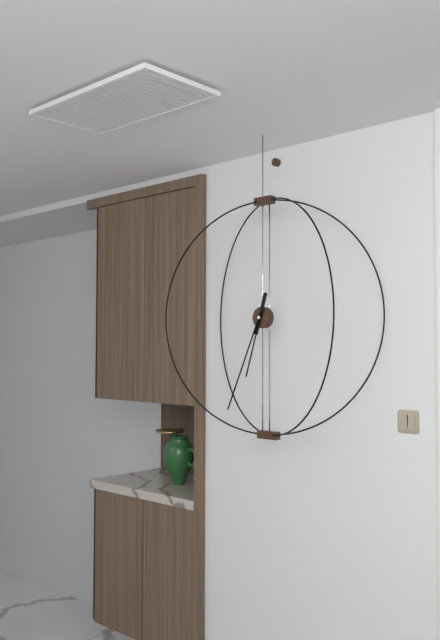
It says 6 h 34 min
